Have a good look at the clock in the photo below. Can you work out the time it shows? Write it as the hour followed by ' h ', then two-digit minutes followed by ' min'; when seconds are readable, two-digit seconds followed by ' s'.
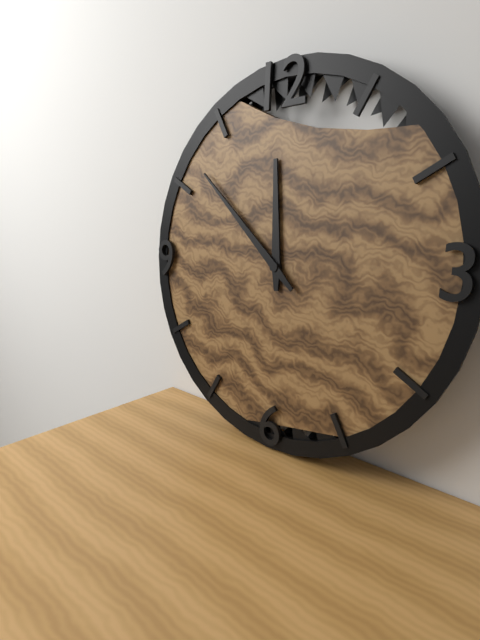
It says 11 h 52 min
